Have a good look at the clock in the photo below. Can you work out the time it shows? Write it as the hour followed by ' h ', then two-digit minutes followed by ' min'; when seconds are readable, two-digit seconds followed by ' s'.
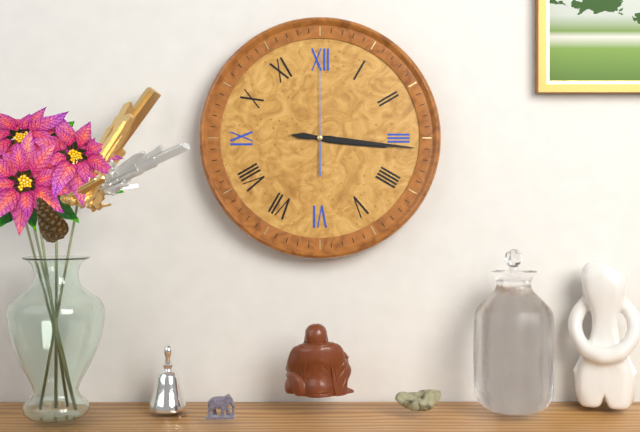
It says 3 h 16 min 00 s
